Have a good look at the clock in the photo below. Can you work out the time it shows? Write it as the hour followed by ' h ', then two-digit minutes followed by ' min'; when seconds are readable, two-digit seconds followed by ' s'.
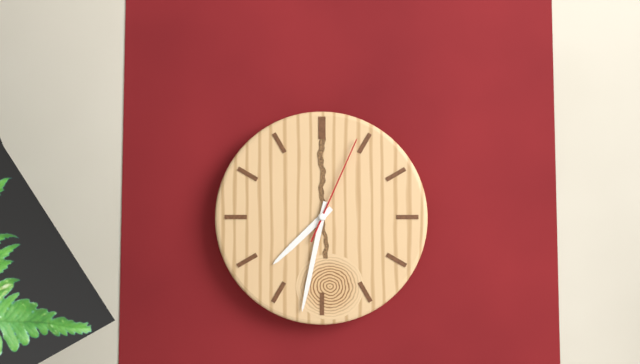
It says 7 h 32 min 04 s
